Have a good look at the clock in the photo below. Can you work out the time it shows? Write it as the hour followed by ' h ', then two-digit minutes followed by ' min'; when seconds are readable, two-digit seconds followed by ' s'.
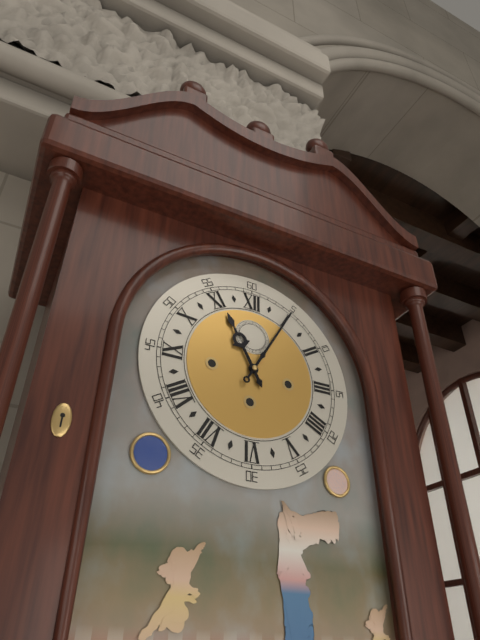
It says 11 h 05 min
